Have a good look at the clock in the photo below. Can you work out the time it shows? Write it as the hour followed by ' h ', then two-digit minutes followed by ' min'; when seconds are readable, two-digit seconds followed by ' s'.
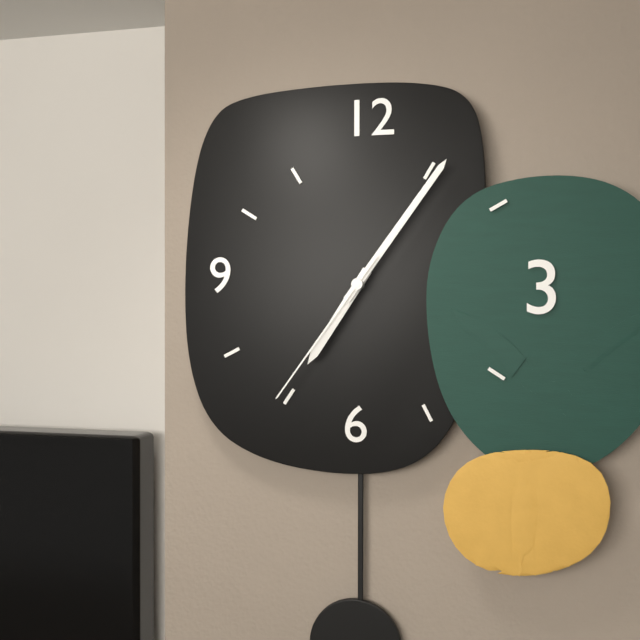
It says 7 h 06 min 36 s
